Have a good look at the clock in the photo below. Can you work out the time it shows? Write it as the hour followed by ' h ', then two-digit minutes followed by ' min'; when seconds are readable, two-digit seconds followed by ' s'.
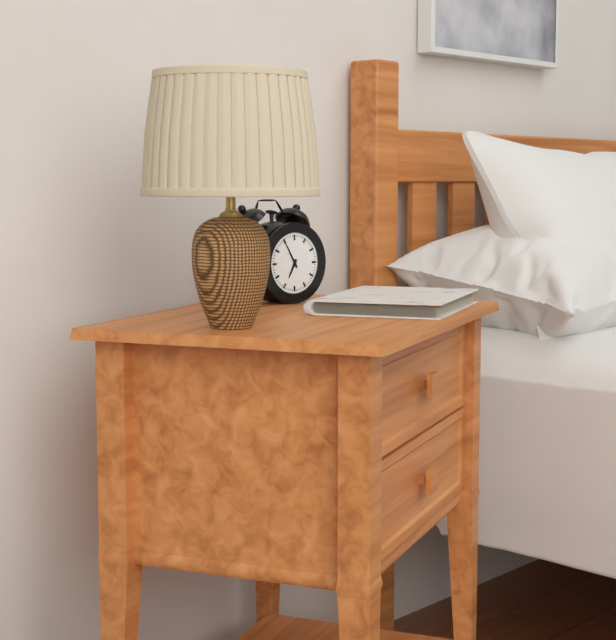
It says 6 h 55 min
